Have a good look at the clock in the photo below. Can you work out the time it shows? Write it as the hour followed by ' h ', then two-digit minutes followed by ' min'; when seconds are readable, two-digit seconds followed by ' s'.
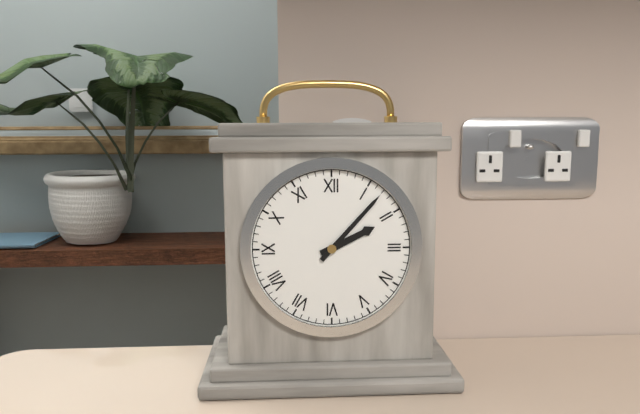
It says 2 h 07 min
